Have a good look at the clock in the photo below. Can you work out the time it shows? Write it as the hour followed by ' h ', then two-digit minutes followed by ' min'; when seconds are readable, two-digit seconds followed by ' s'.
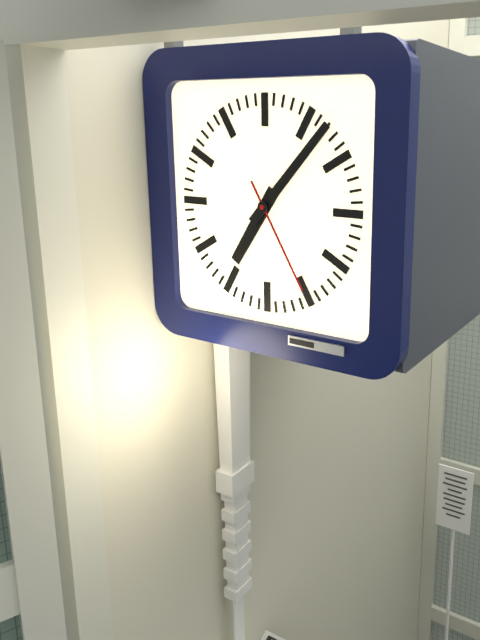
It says 7 h 07 min 25 s
